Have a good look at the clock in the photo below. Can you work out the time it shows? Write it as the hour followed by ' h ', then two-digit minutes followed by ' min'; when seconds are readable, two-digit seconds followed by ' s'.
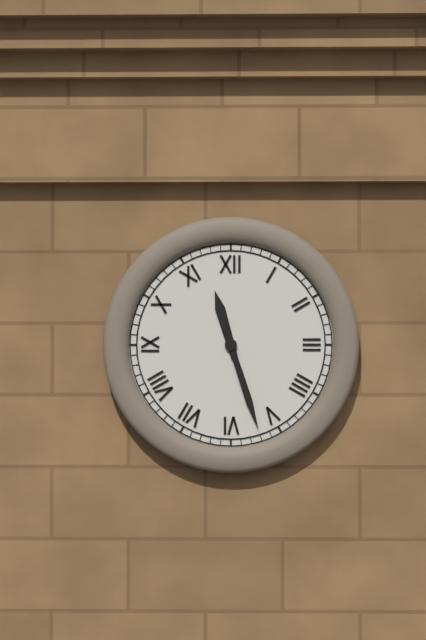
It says 11 h 27 min
